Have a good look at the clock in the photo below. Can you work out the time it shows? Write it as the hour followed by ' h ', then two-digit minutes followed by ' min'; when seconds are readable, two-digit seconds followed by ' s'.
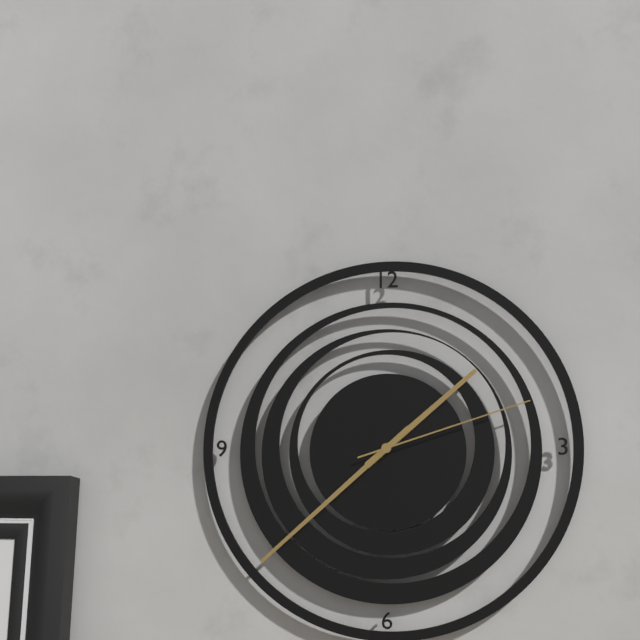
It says 1 h 38 min 12 s
